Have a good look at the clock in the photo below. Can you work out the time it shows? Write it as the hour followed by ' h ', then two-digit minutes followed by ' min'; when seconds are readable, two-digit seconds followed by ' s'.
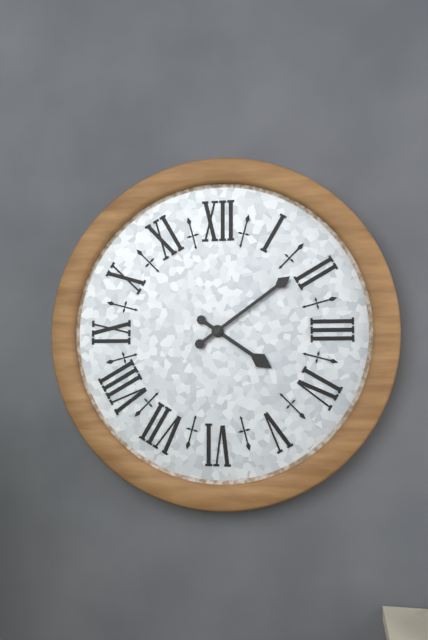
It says 4 h 09 min
